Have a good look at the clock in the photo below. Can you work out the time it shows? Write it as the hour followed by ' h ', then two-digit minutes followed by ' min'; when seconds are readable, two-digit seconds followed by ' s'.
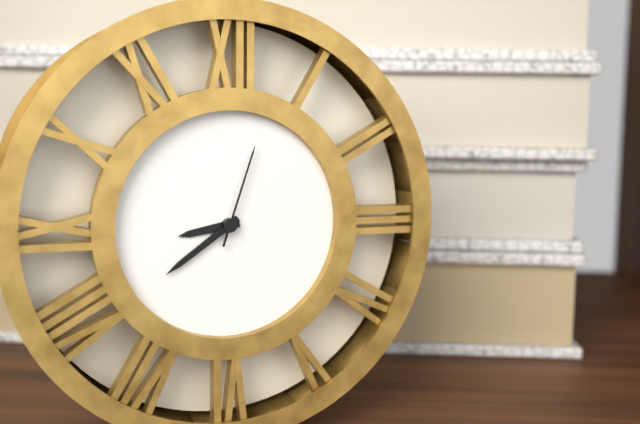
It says 8 h 39 min 03 s
